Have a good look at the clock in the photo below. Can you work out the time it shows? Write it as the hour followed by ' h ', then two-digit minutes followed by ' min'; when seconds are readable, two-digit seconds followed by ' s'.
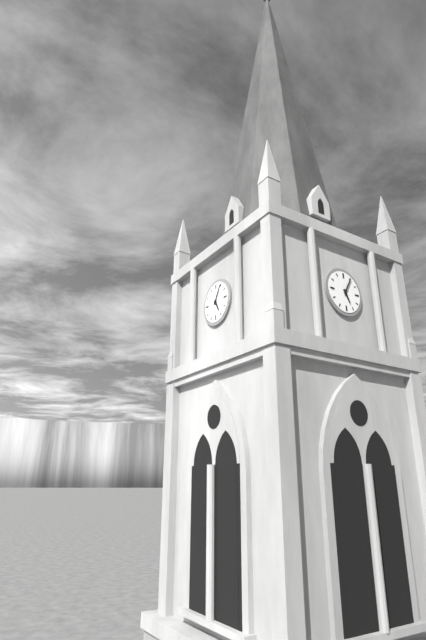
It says 5 h 05 min
